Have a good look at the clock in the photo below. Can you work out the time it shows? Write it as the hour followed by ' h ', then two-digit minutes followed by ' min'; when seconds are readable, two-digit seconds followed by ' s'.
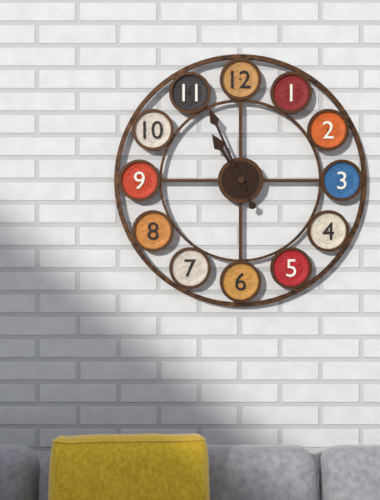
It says 10 h 56 min
